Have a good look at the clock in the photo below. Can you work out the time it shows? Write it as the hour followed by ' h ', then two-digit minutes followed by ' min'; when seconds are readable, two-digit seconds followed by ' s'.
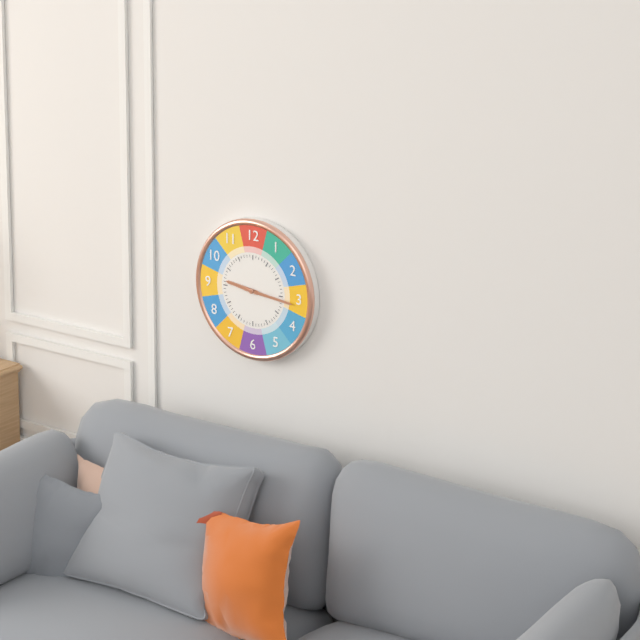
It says 9 h 16 min
